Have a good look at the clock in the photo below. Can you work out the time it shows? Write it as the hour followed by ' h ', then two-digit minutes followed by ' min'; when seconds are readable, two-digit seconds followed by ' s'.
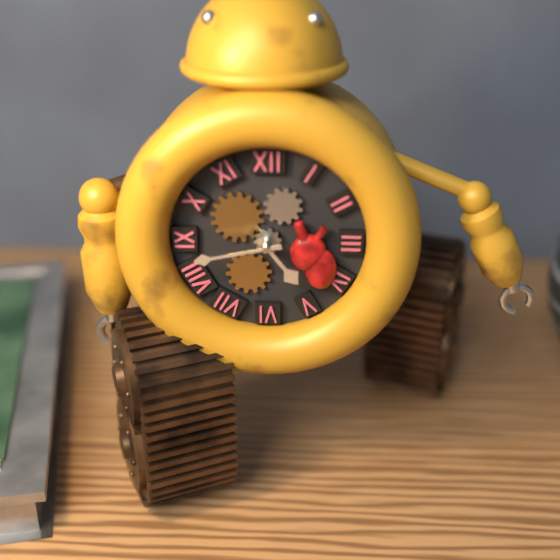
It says 4 h 43 min
